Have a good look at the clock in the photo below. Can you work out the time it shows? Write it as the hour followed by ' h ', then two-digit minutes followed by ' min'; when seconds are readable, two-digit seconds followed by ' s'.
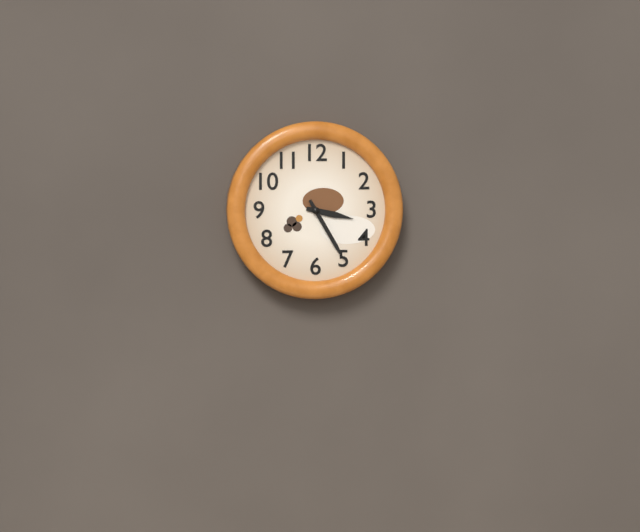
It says 3 h 25 min
